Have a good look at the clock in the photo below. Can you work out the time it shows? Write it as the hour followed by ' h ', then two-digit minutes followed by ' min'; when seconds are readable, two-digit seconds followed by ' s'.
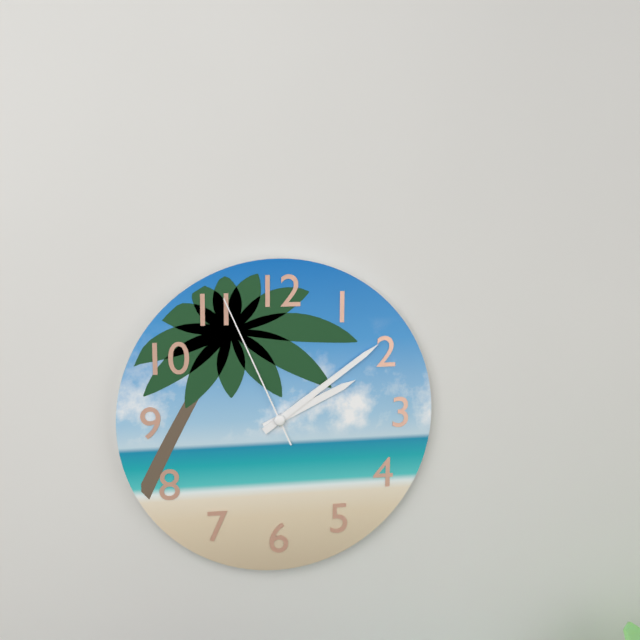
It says 2 h 09 min 56 s
